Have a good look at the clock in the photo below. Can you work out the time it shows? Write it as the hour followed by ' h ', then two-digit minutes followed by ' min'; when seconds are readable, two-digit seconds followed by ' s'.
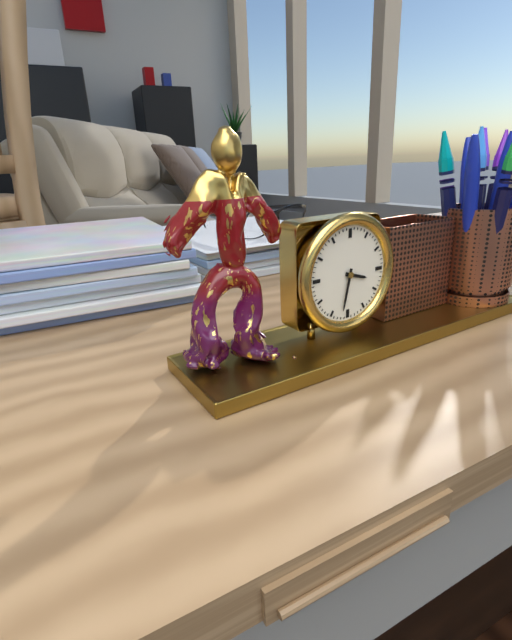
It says 3 h 32 min
